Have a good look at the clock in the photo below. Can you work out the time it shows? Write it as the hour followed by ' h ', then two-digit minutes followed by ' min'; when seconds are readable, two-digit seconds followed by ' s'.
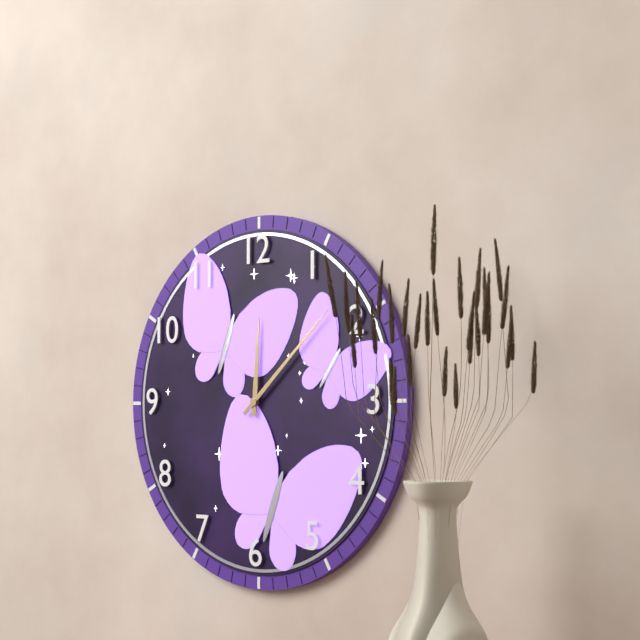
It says 12 h 08 min
